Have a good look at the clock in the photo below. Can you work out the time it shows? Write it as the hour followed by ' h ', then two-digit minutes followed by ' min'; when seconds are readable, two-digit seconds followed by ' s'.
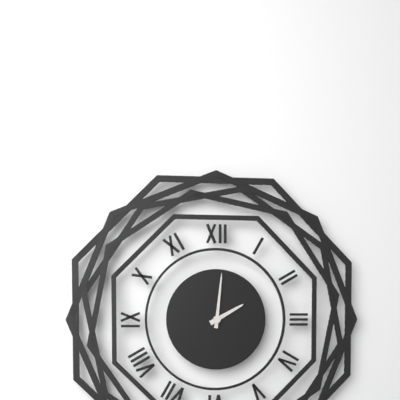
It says 2 h 01 min
